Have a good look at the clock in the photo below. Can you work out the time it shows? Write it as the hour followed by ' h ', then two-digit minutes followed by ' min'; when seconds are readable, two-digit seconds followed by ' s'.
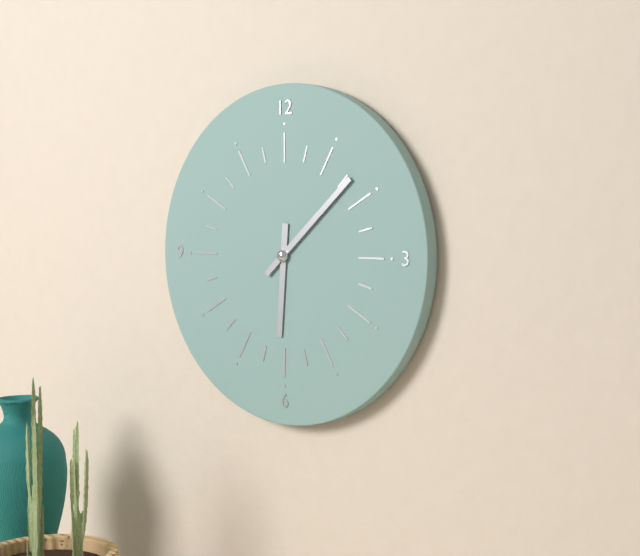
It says 6 h 08 min
